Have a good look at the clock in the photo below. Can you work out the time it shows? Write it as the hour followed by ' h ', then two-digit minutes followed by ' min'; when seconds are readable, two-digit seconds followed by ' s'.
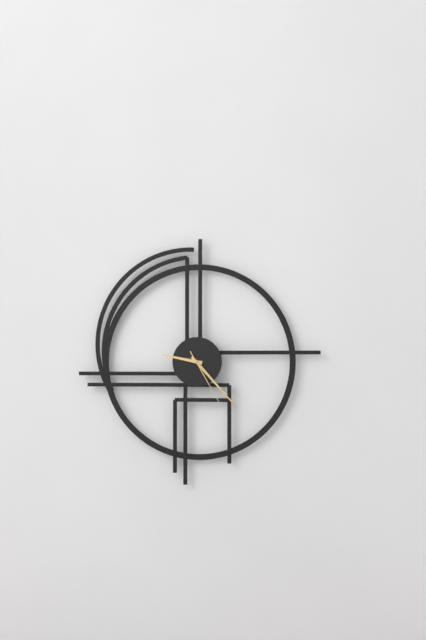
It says 9 h 23 min 25 s
